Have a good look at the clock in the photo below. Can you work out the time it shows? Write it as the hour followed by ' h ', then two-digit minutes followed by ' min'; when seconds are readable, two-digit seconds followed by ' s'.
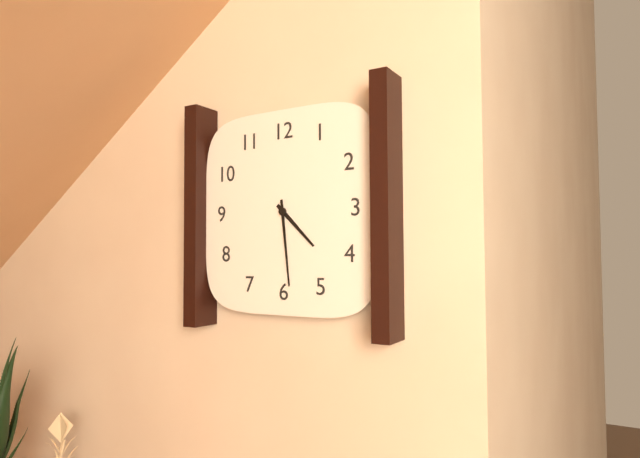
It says 4 h 29 min
